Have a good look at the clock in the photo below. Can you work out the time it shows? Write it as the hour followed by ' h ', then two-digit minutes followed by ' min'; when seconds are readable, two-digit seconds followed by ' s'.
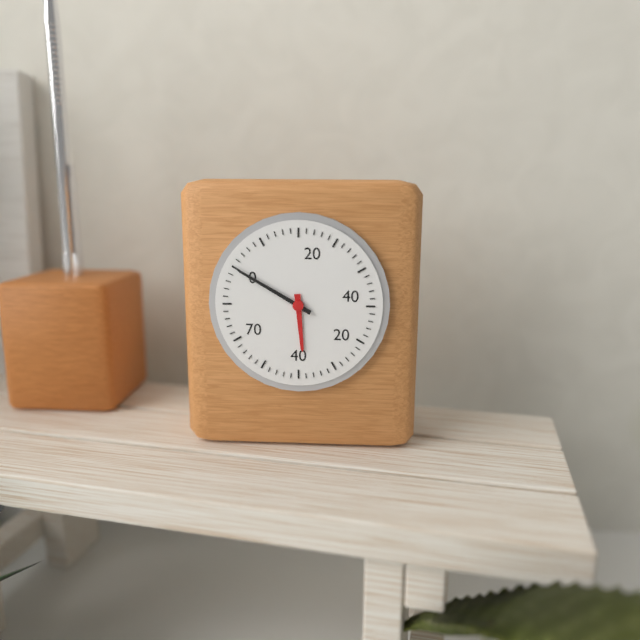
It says 5 h 50 min
